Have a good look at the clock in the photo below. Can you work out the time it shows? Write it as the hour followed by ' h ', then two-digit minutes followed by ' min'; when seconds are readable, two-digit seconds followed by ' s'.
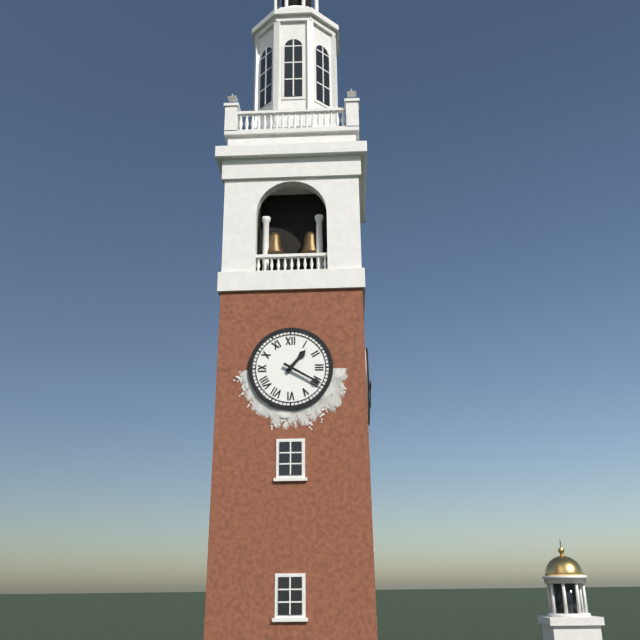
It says 1 h 20 min
